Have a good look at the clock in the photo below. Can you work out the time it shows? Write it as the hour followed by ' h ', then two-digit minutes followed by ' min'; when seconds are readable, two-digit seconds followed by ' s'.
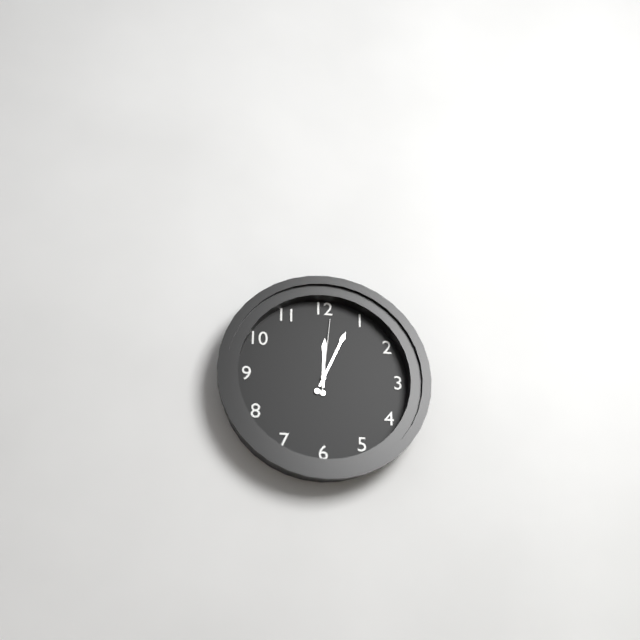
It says 12 h 04 min 01 s
